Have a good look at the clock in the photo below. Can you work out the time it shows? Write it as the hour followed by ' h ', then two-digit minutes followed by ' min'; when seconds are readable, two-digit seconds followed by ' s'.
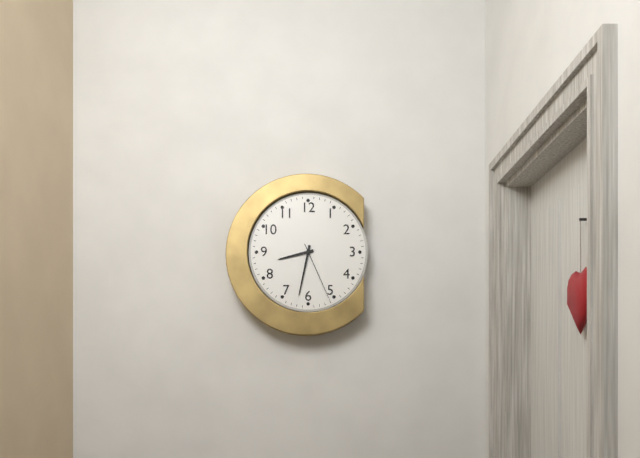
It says 8 h 32 min 26 s
